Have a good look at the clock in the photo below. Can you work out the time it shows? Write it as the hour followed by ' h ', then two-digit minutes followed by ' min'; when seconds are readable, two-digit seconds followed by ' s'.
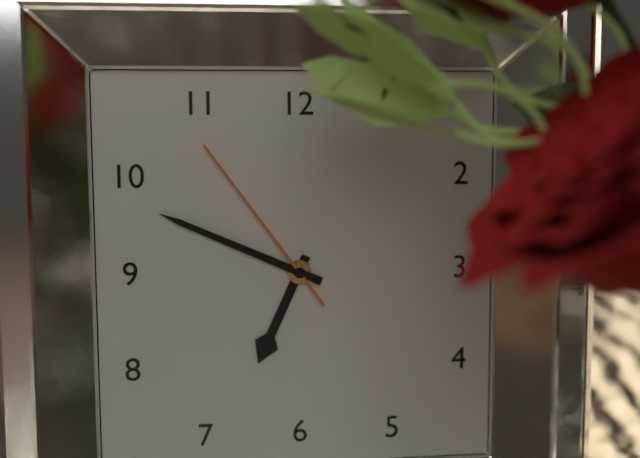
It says 6 h 49 min 54 s
